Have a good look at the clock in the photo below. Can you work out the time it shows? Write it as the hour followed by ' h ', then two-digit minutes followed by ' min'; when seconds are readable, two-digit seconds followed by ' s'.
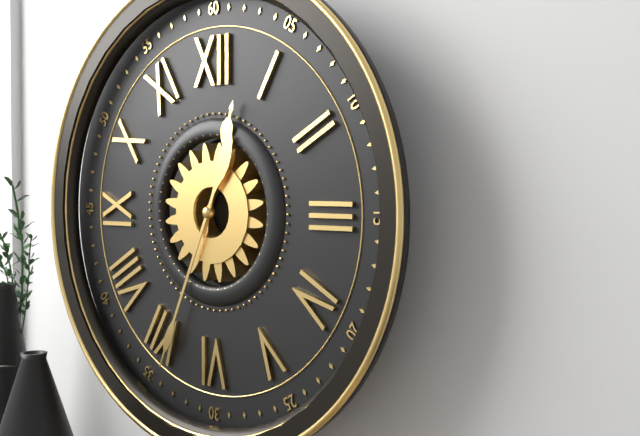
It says 12 h 34 min
